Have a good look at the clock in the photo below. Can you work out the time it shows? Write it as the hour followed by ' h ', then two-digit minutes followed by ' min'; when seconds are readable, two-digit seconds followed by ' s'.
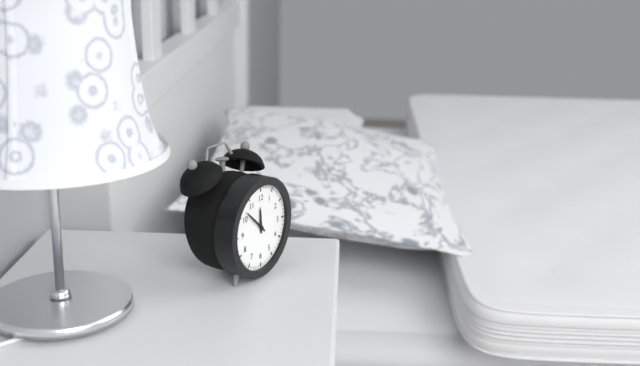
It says 11 h 52 min
